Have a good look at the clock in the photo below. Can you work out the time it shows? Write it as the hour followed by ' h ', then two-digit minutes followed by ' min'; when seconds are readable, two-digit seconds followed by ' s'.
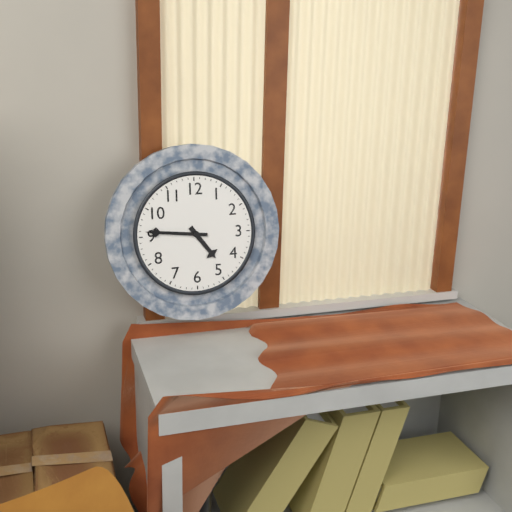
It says 4 h 46 min
